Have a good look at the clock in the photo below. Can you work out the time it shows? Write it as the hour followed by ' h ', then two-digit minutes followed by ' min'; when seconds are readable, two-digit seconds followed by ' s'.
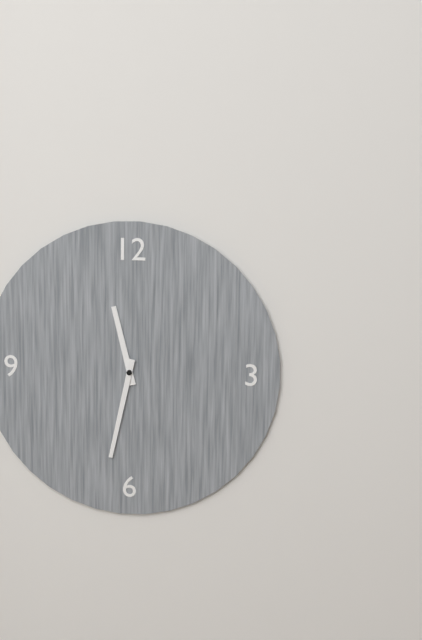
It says 11 h 32 min
